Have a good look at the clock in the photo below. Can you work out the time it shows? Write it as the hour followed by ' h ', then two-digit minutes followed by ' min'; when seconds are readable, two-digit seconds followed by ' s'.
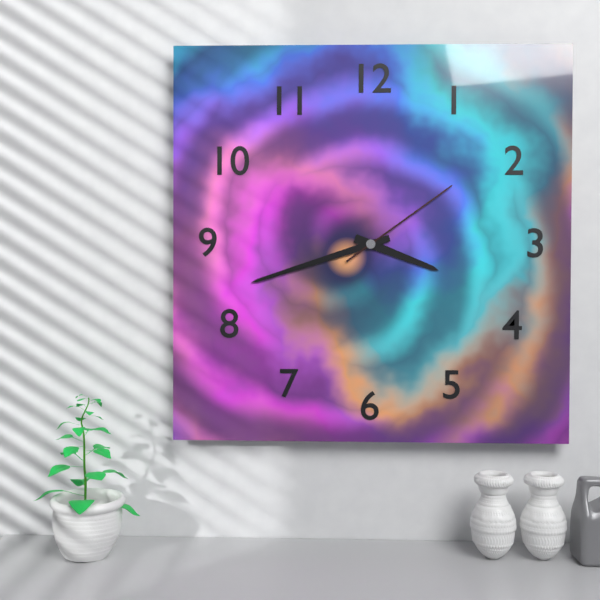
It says 3 h 42 min 09 s
